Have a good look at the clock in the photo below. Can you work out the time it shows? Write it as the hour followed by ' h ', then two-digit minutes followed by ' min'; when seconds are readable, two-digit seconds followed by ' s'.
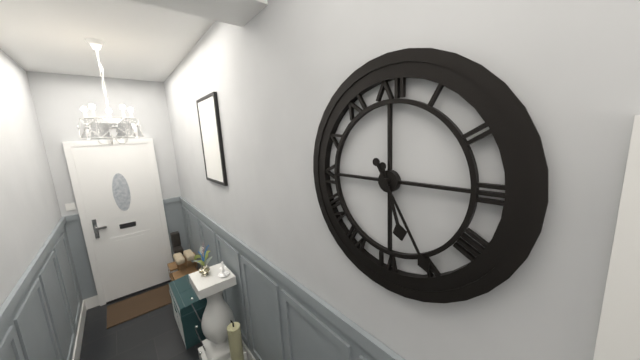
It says 5 h 25 min
